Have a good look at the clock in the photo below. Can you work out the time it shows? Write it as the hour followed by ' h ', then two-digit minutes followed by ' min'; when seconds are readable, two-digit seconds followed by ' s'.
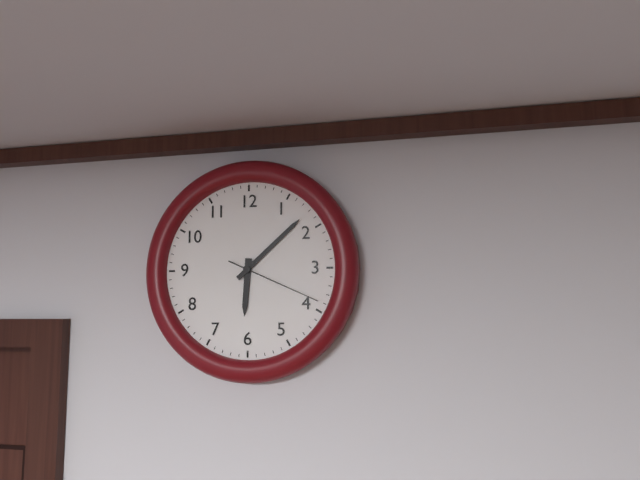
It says 6 h 08 min 19 s
